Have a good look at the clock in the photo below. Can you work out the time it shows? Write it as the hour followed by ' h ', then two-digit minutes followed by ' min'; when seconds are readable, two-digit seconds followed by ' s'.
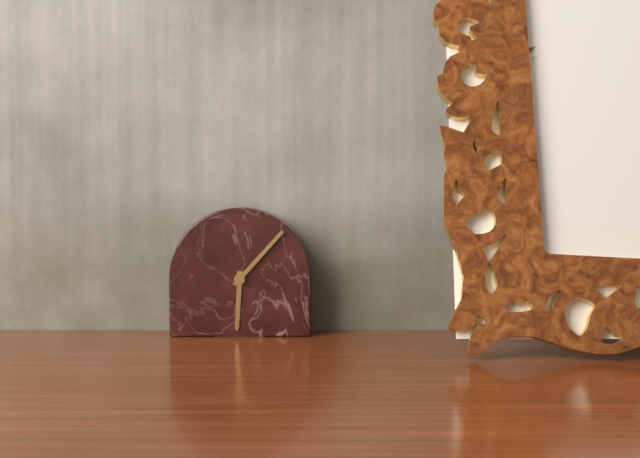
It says 6 h 07 min
